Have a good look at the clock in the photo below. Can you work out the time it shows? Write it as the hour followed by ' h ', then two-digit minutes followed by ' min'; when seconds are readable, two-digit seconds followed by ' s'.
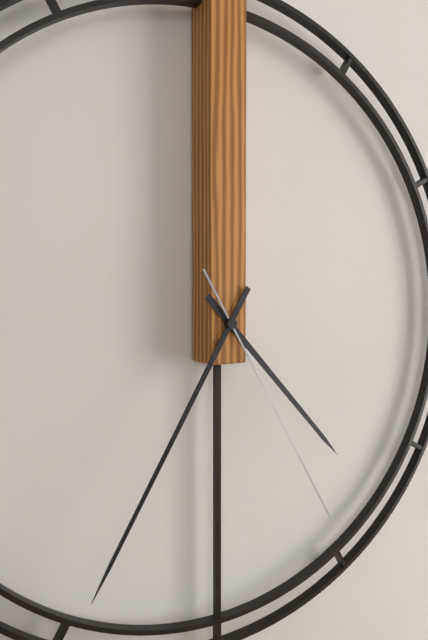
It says 4 h 35 min 25 s
